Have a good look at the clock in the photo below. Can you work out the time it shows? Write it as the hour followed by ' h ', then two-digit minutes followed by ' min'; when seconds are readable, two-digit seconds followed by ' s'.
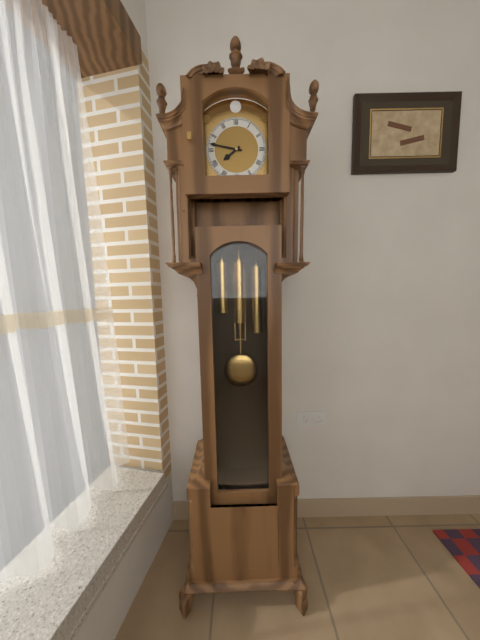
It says 7 h 47 min
